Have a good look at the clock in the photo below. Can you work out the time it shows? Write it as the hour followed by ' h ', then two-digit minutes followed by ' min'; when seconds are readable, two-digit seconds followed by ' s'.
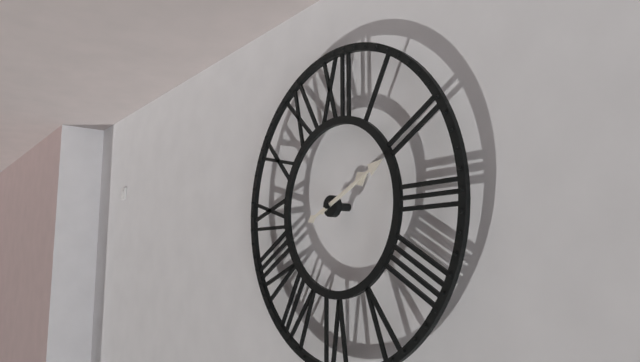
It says 2 h 11 min
